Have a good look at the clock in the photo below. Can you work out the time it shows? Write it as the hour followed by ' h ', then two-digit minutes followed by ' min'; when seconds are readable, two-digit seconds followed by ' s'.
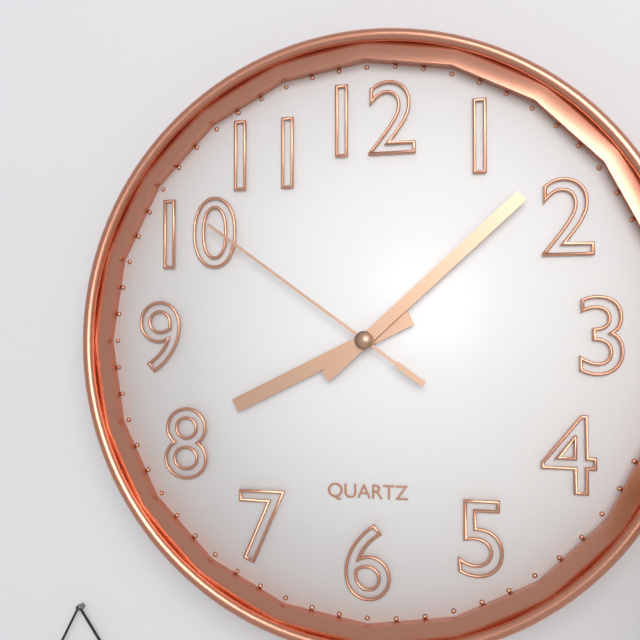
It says 8 h 08 min 51 s
